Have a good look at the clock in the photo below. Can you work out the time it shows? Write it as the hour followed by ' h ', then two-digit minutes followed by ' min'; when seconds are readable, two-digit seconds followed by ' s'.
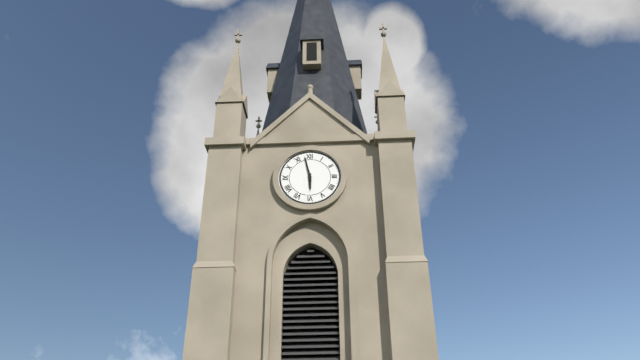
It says 5 h 58 min
